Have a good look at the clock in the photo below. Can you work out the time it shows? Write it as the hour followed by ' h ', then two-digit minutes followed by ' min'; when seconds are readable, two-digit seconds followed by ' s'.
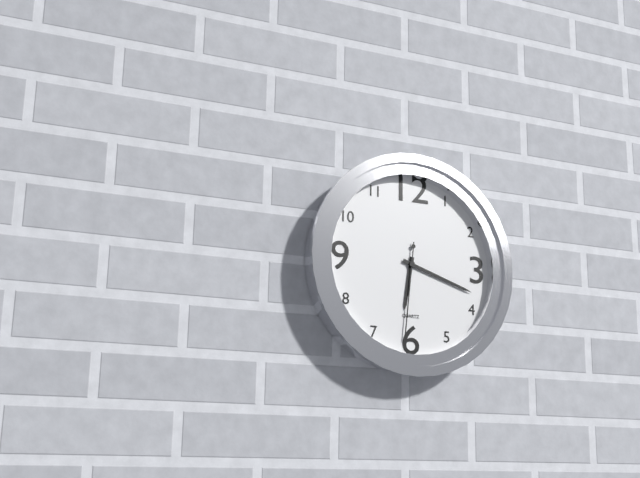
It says 6 h 18 min 31 s
